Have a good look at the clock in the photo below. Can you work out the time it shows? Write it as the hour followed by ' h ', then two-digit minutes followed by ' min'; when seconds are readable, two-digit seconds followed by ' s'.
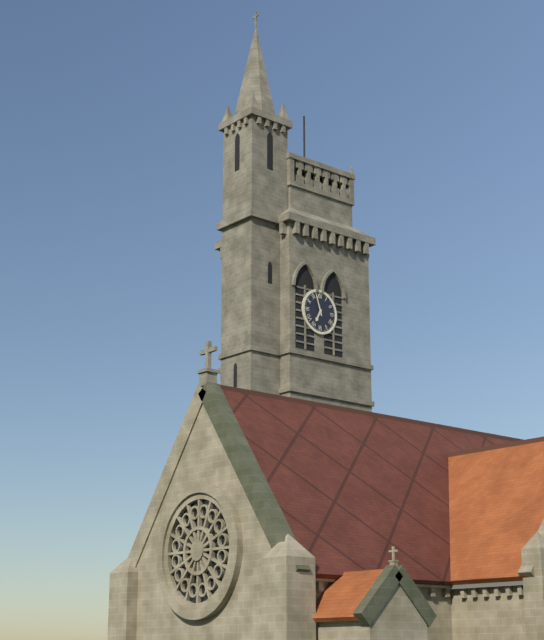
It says 6 h 57 min
